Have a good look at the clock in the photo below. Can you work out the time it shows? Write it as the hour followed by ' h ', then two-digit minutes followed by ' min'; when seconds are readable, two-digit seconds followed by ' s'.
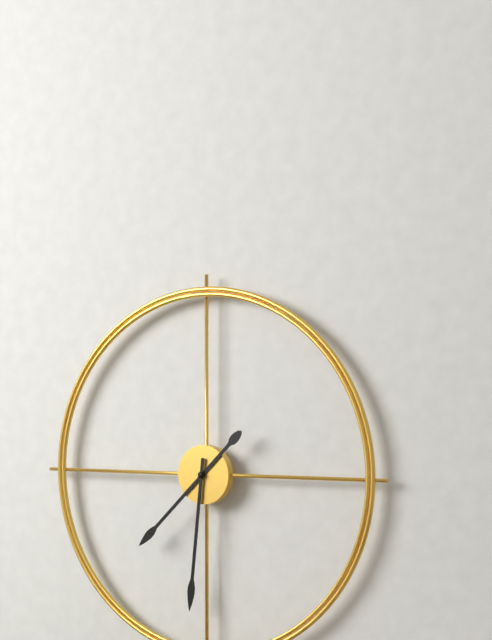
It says 7 h 31 min
